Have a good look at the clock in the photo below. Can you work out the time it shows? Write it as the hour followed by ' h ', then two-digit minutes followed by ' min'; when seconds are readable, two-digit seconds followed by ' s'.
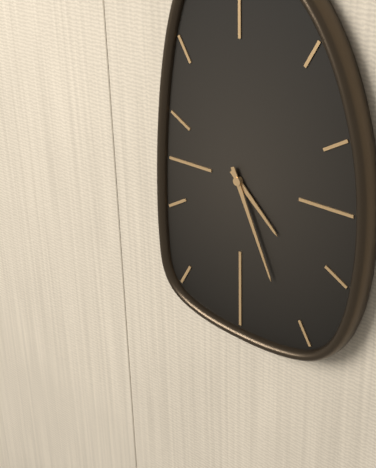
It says 4 h 26 min
